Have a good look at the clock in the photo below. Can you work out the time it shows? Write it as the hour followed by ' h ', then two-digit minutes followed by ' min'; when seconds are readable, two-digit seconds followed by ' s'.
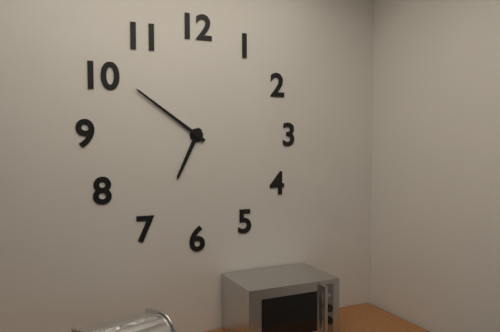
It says 6 h 51 min
